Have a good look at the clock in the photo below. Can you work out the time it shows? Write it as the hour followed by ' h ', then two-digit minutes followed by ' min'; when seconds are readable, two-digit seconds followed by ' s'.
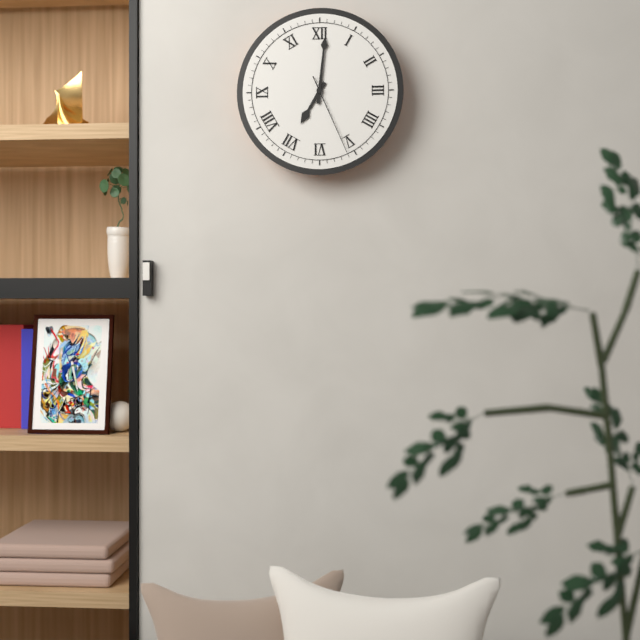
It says 7 h 01 min 26 s
